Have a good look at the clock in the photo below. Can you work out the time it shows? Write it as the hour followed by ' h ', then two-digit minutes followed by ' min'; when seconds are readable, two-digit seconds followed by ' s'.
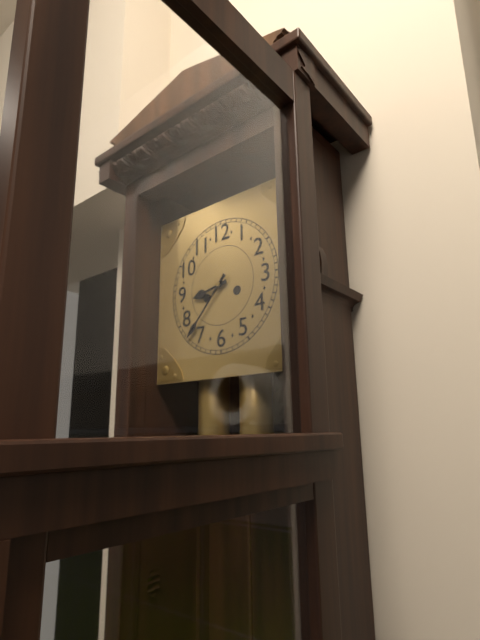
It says 8 h 37 min
